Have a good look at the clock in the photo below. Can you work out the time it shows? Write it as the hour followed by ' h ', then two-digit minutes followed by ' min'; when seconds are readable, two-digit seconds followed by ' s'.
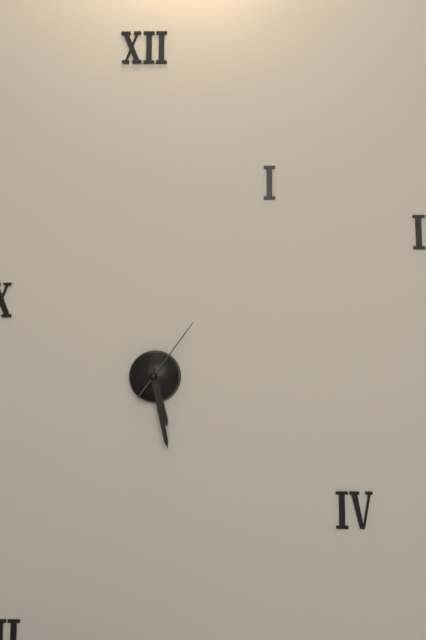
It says 5 h 28 min 06 s
